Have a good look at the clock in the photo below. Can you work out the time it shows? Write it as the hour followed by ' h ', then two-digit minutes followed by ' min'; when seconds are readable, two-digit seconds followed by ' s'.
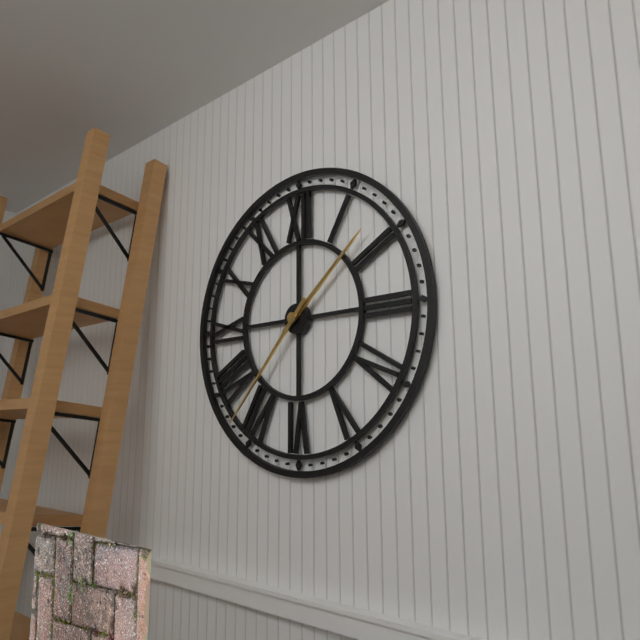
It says 1 h 37 min
